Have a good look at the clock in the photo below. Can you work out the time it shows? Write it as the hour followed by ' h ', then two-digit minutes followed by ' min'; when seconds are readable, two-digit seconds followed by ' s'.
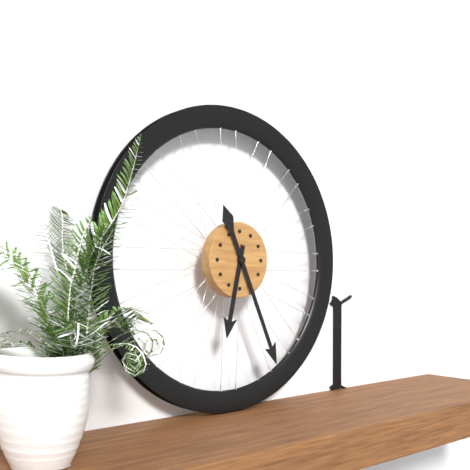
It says 6 h 26 min
